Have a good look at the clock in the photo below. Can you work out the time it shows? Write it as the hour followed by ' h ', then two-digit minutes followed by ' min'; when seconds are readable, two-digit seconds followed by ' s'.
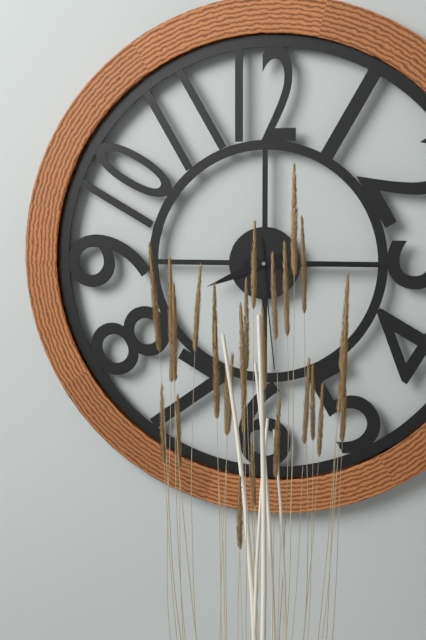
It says 8 h 15 min 29 s
